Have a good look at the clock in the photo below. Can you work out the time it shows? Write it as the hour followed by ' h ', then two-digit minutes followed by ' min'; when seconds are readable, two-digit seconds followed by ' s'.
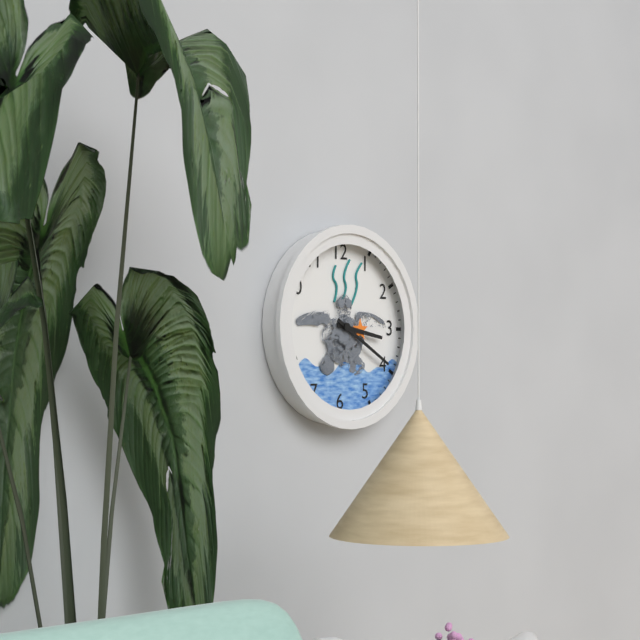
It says 3 h 20 min
